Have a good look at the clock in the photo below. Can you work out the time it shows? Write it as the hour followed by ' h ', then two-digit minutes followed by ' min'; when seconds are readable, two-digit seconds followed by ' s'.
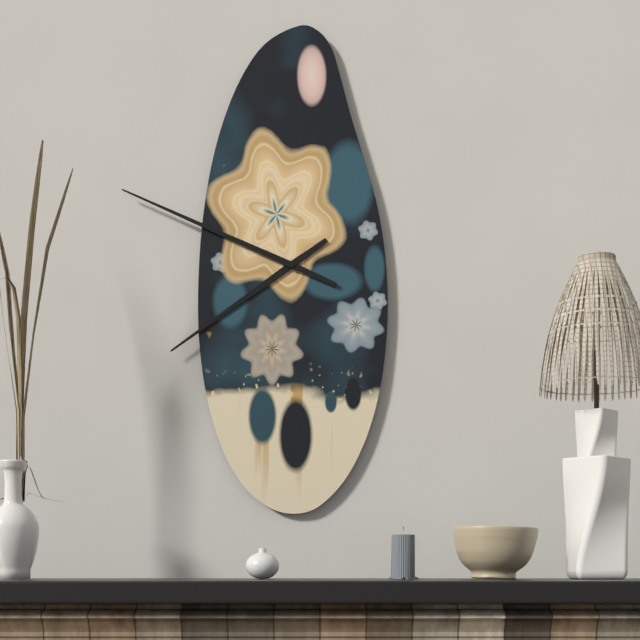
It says 7 h 49 min
